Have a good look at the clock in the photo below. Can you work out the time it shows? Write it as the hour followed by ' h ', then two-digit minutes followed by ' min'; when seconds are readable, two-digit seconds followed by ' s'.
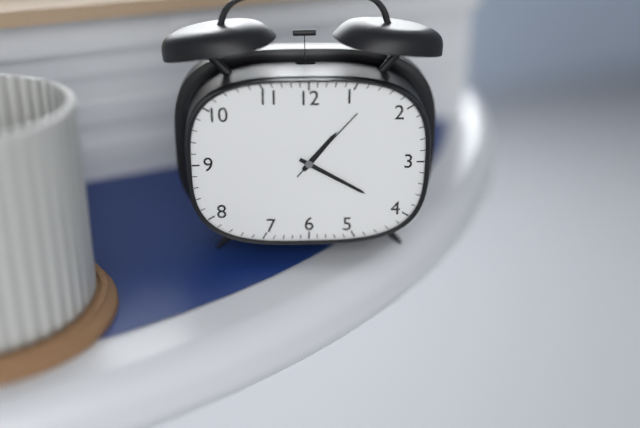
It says 1 h 20 min 07 s
